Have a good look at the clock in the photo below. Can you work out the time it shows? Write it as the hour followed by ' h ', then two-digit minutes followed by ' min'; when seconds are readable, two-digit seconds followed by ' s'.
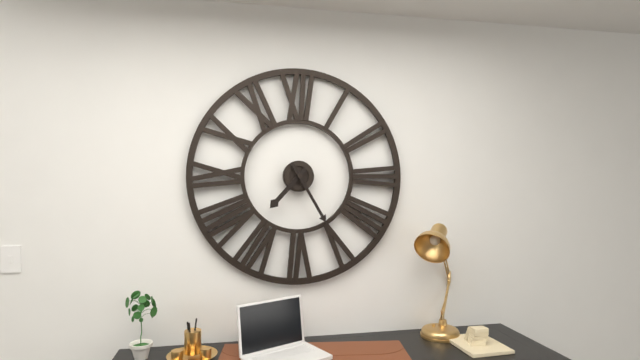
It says 7 h 25 min
